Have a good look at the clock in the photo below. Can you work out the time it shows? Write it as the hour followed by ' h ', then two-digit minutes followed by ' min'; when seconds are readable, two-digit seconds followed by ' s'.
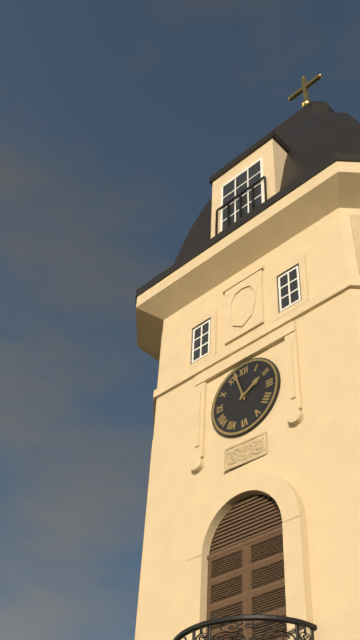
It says 1 h 57 min
